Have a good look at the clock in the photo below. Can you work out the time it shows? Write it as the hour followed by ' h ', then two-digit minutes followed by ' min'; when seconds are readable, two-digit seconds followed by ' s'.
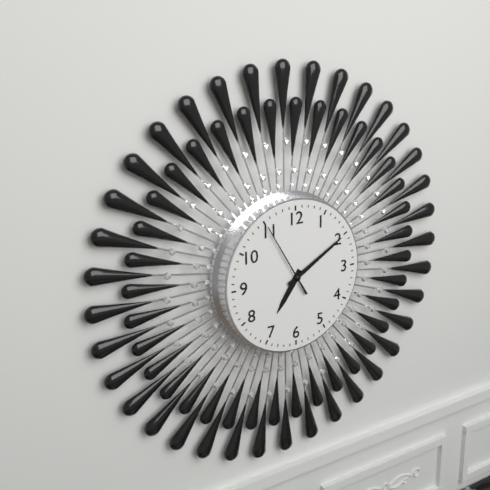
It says 7 h 10 min 55 s
